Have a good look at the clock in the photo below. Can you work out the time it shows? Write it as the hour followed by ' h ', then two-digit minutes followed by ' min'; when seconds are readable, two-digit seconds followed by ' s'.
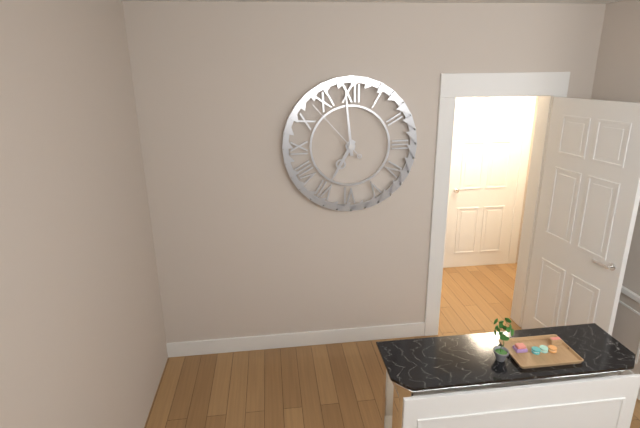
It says 6 h 59 min 53 s
